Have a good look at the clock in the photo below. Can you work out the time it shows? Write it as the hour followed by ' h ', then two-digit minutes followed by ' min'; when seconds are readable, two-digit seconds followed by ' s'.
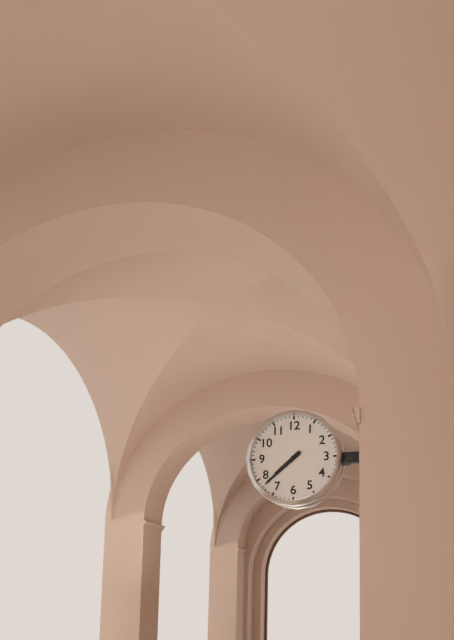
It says 7 h 38 min
